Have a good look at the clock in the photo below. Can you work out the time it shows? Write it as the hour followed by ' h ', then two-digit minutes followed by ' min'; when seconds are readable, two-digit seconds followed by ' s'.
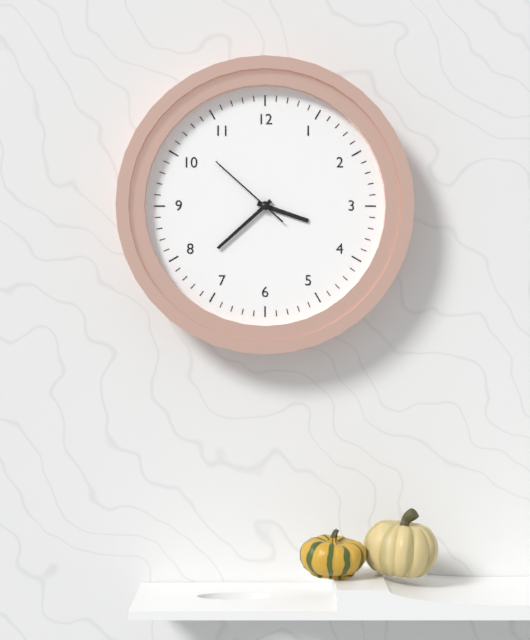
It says 3 h 38 min 52 s
